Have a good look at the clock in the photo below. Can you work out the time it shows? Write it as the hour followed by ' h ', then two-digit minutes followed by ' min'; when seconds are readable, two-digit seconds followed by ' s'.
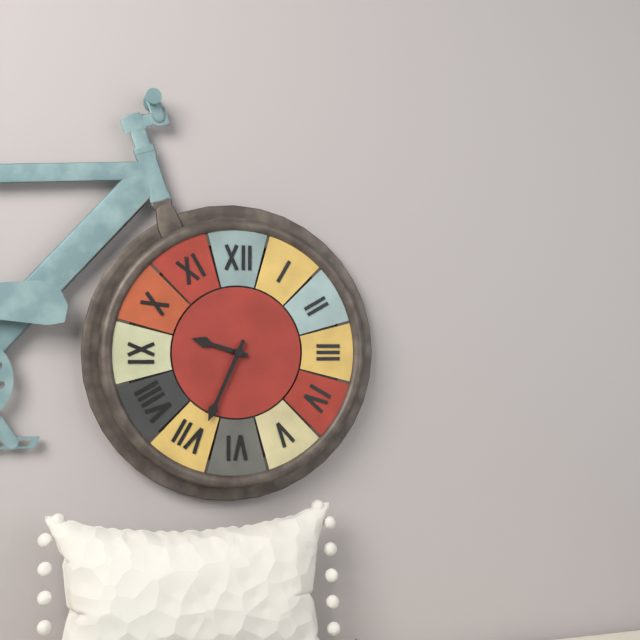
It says 9 h 34 min
